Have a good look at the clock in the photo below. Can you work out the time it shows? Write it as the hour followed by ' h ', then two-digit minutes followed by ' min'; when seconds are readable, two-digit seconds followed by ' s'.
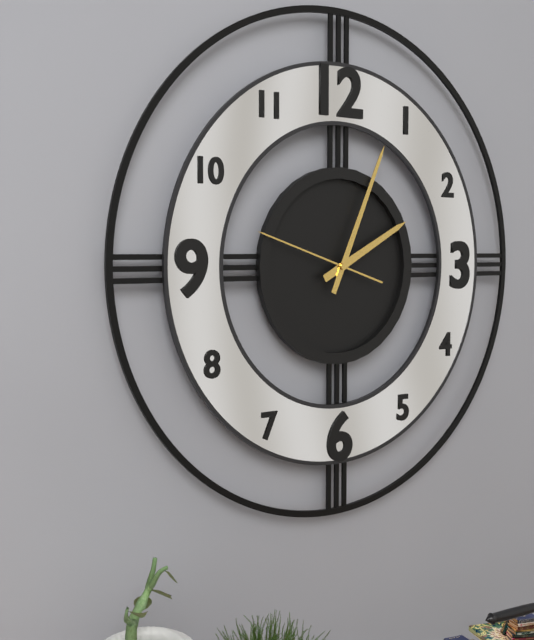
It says 2 h 04 min 48 s
